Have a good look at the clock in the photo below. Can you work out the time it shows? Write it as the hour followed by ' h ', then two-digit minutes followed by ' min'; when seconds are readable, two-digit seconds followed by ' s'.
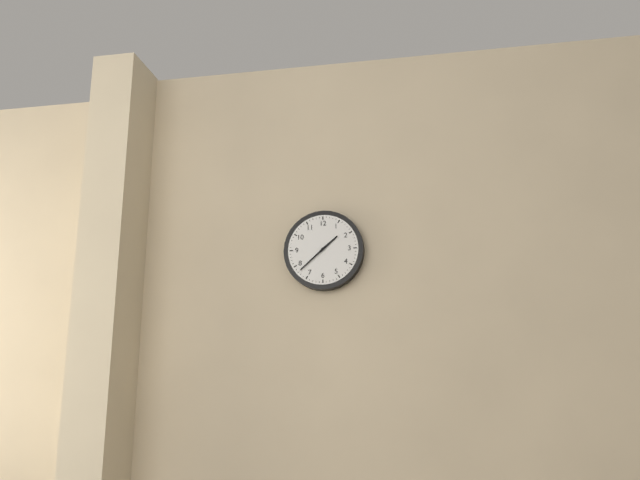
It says 1 h 38 min
